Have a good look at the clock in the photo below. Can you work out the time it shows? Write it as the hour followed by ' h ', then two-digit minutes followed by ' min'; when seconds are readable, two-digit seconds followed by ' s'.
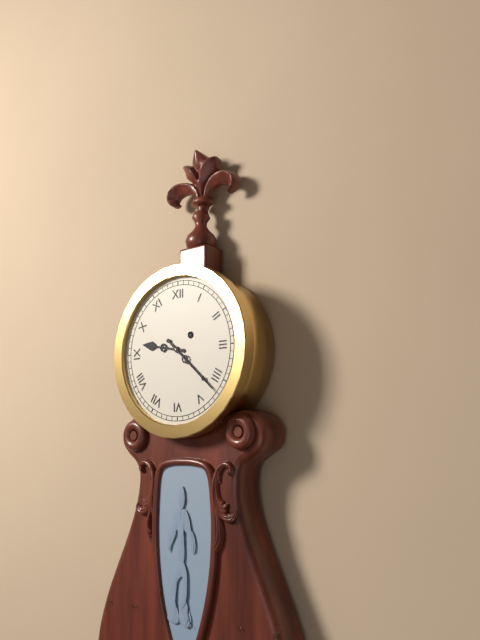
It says 9 h 22 min
